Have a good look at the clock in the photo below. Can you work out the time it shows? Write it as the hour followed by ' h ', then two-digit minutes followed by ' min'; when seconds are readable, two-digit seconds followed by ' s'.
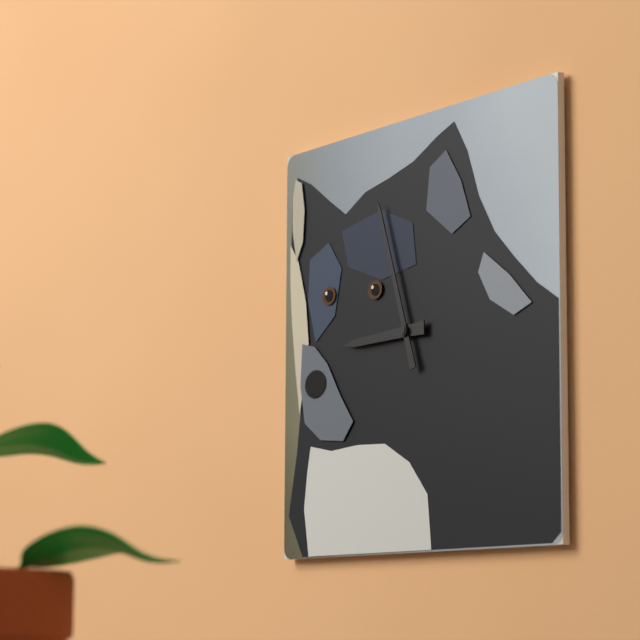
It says 8 h 57 min
